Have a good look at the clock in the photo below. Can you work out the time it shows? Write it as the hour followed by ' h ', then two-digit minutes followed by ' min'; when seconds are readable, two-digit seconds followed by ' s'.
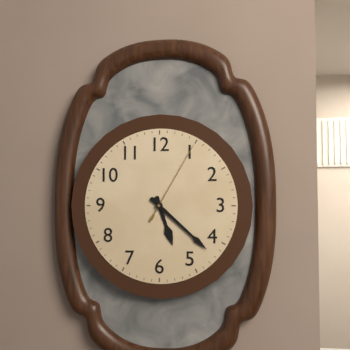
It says 5 h 22 min 05 s
